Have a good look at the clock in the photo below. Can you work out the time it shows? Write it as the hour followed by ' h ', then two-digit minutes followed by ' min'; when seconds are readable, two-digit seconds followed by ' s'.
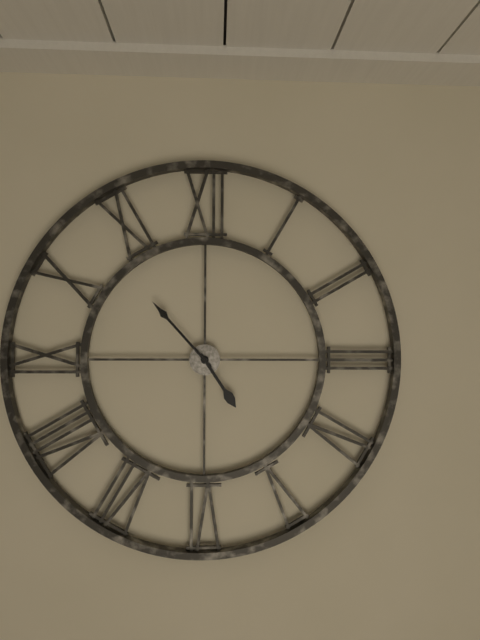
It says 4 h 53 min
